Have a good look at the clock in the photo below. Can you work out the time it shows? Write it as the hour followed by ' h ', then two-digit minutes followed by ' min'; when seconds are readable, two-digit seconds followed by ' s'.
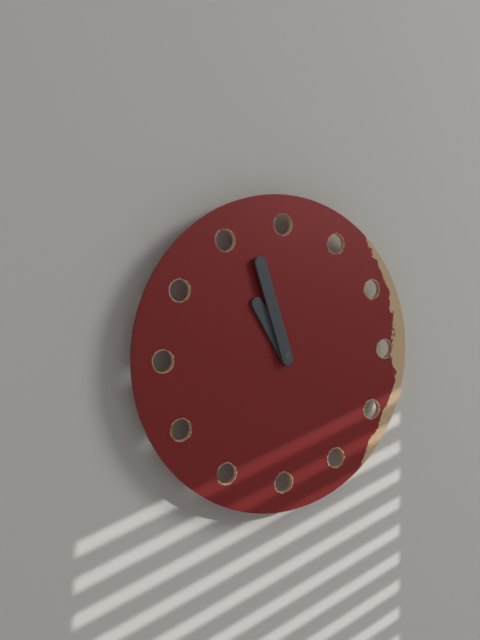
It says 10 h 57 min
